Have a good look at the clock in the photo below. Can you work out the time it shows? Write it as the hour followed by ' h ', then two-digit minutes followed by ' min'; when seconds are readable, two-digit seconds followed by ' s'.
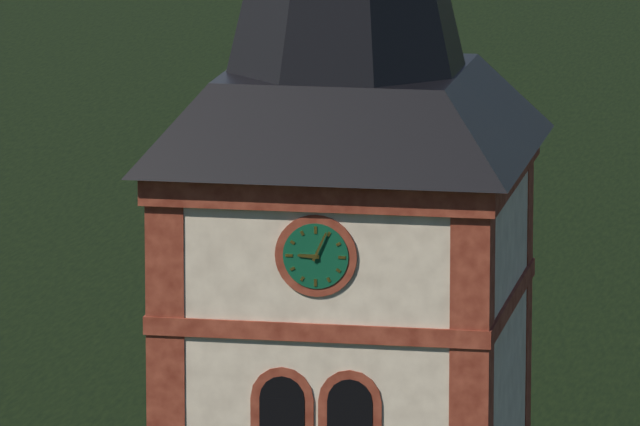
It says 9 h 04 min
